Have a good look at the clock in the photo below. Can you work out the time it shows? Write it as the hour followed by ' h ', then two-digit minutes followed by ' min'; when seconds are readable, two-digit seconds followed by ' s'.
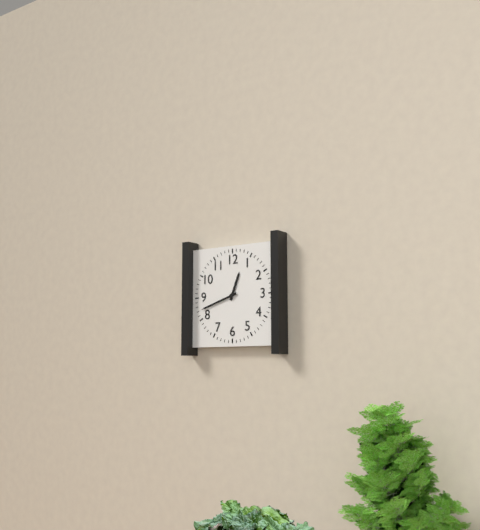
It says 12 h 42 min
